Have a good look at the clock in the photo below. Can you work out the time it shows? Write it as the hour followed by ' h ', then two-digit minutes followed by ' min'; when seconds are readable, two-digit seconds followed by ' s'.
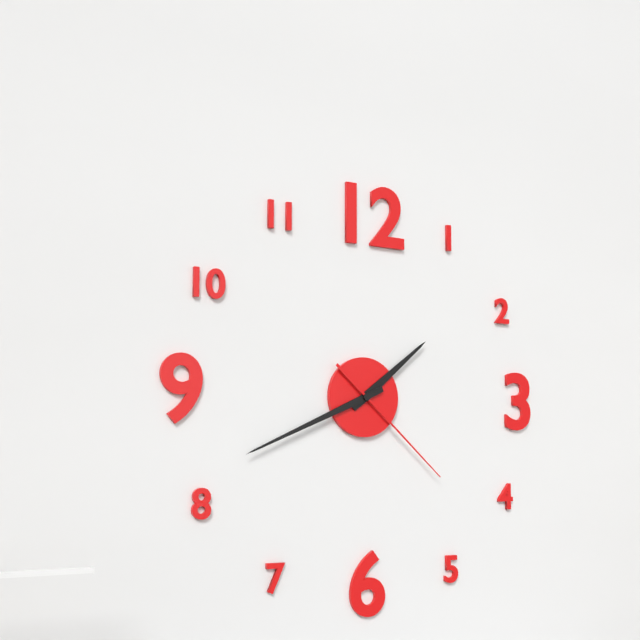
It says 1 h 41 min 22 s
